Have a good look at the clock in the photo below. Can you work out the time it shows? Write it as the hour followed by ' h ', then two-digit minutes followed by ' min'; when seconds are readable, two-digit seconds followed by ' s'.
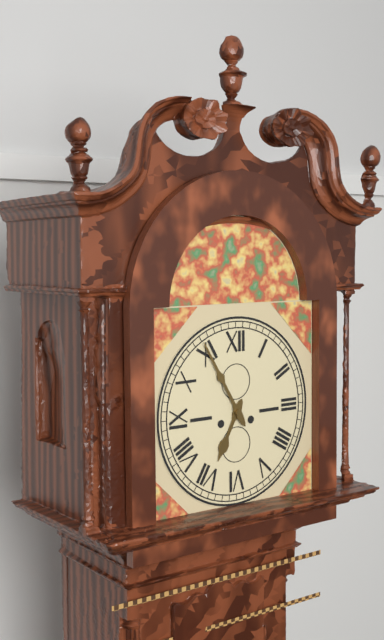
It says 6 h 55 min
